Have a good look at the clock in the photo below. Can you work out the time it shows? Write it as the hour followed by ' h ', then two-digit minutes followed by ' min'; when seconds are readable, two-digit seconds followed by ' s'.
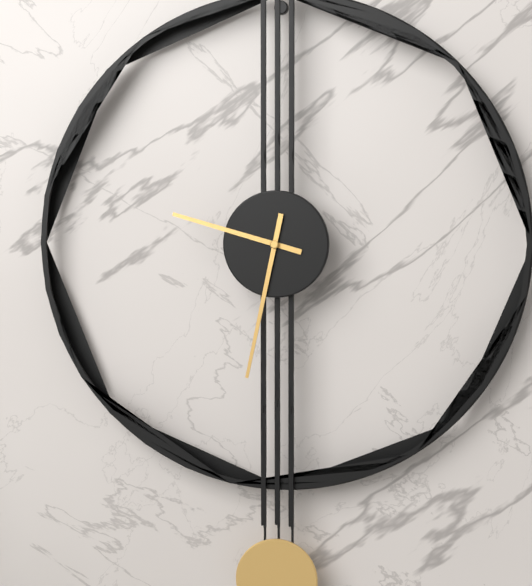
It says 9 h 32 min
